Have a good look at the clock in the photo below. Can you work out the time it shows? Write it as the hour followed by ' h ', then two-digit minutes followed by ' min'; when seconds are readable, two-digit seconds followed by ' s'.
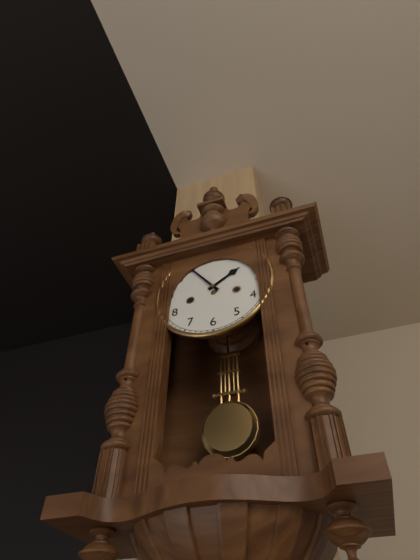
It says 1 h 54 min
